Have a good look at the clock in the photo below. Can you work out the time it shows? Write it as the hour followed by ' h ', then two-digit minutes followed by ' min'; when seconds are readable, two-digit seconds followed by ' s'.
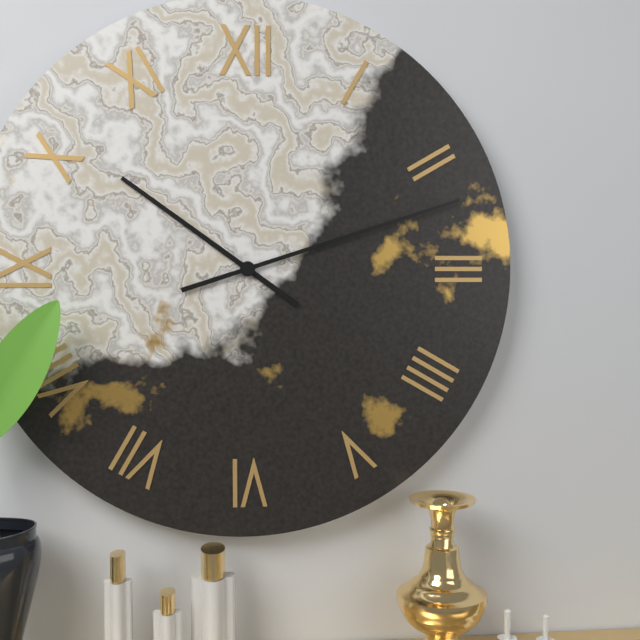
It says 10 h 12 min
